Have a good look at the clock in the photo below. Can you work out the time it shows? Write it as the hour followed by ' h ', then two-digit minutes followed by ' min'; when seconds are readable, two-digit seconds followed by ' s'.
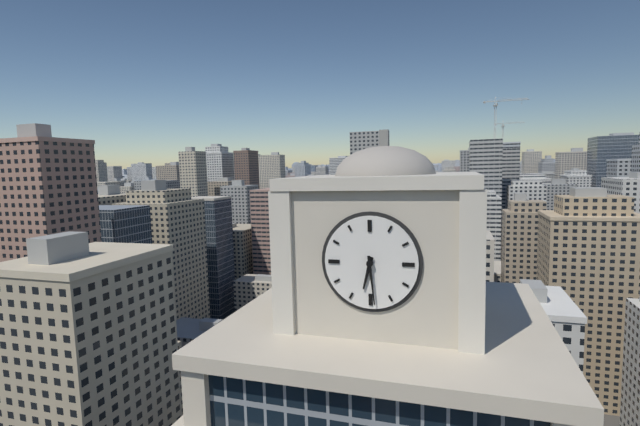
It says 6 h 29 min
